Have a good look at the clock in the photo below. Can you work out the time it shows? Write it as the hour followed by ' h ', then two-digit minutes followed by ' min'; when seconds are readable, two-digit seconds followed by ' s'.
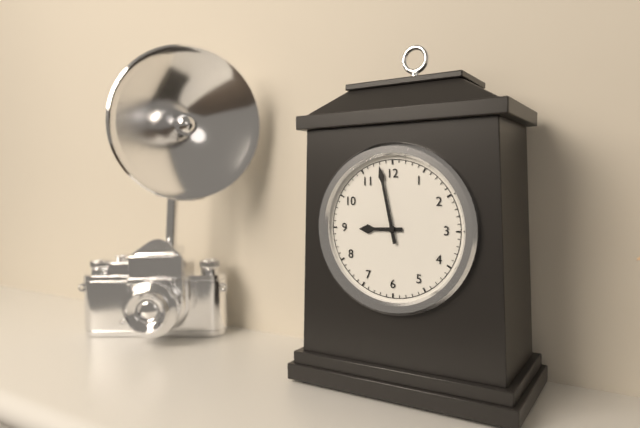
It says 8 h 58 min
